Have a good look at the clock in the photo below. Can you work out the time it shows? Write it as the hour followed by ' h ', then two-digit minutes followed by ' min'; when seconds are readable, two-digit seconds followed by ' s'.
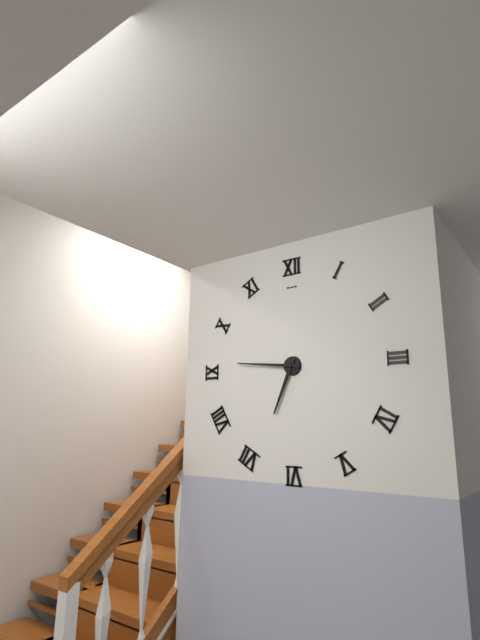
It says 6 h 46 min
